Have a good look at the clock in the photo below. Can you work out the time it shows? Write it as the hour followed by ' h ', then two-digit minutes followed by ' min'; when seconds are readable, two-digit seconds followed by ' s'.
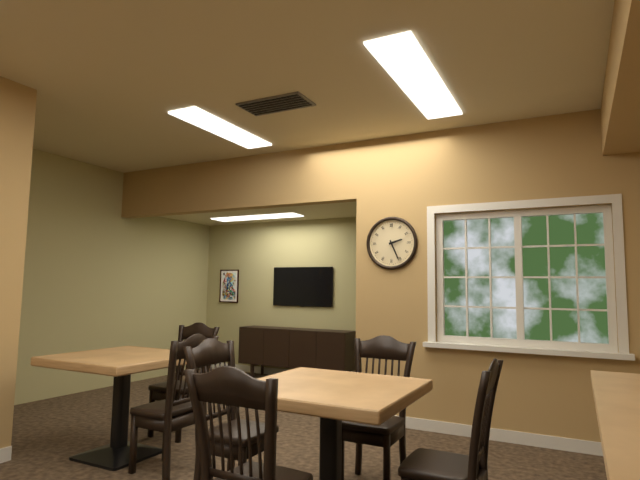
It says 2 h 26 min
